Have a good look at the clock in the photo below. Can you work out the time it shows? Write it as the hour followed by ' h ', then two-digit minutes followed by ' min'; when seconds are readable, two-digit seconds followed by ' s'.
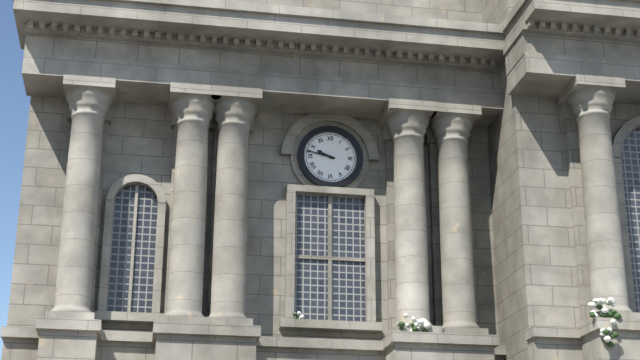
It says 9 h 47 min
